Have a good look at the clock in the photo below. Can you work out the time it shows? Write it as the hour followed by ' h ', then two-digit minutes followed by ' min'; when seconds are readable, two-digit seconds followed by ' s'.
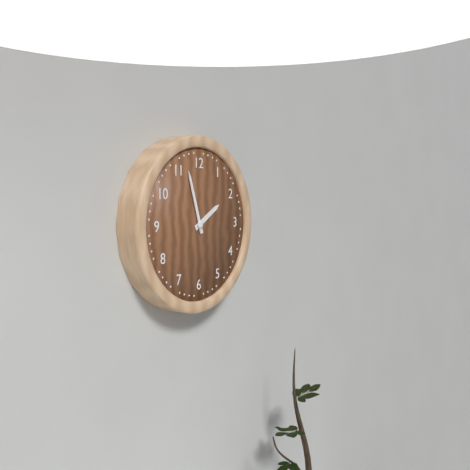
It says 1 h 57 min
